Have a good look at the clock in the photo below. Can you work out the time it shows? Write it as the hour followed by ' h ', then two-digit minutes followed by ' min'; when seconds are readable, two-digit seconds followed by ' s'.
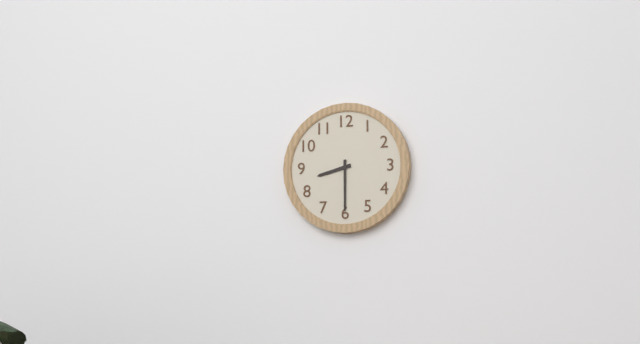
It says 8 h 30 min
